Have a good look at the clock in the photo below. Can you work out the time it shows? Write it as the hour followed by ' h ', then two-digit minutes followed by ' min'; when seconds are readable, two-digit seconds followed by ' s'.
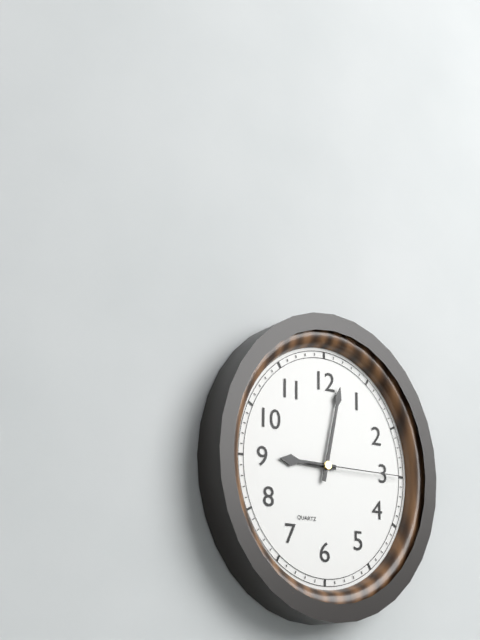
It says 9 h 02 min 15 s
